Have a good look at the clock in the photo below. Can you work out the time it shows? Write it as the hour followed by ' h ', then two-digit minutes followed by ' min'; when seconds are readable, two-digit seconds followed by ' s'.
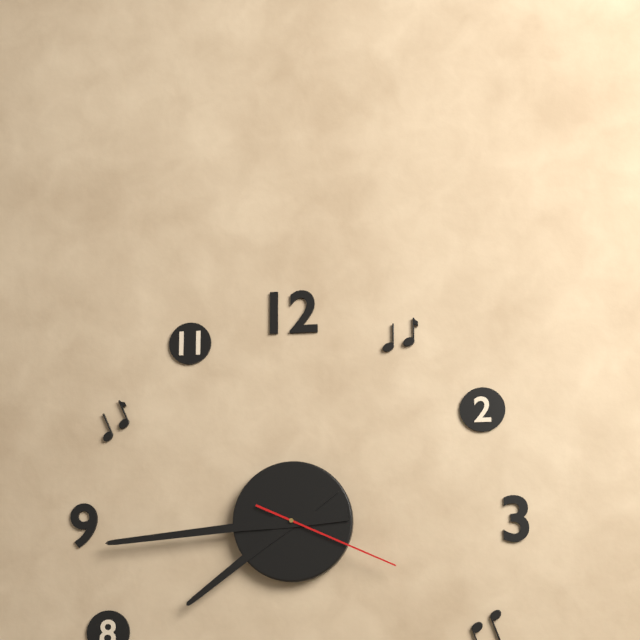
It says 7 h 44 min 19 s
